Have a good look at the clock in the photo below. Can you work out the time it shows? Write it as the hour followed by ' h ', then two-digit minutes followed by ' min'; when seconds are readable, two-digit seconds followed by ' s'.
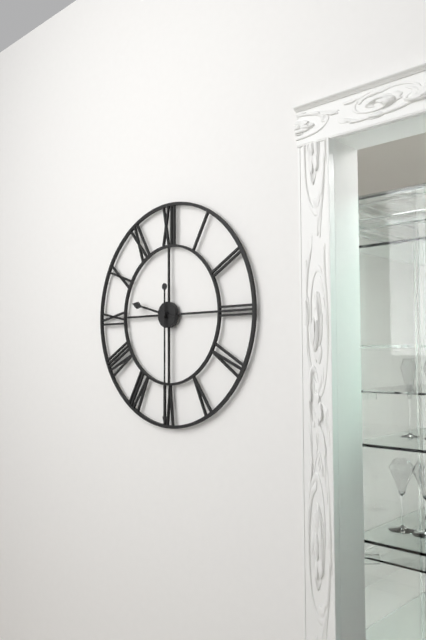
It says 9 h 30 min
